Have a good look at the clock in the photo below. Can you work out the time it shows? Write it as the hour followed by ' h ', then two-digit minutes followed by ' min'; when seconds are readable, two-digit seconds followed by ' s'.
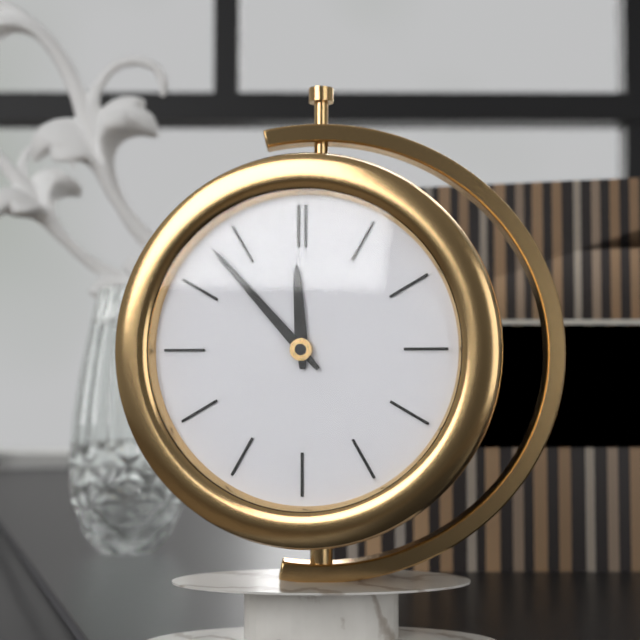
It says 11 h 53 min
